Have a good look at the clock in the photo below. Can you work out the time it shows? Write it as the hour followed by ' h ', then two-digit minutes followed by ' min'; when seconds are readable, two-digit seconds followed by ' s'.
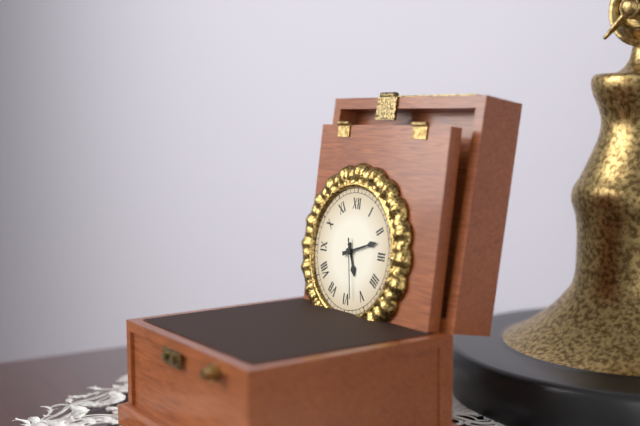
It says 5 h 12 min 28 s
